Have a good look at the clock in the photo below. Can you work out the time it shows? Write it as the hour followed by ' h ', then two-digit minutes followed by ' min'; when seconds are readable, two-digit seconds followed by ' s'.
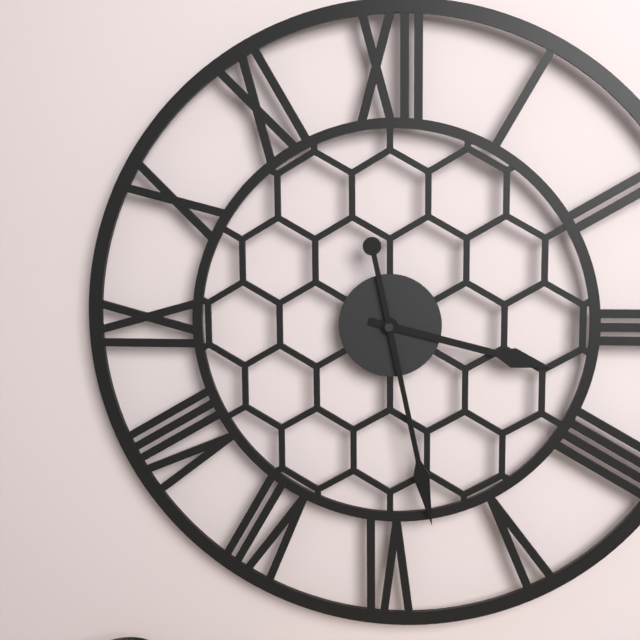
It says 3 h 28 min
